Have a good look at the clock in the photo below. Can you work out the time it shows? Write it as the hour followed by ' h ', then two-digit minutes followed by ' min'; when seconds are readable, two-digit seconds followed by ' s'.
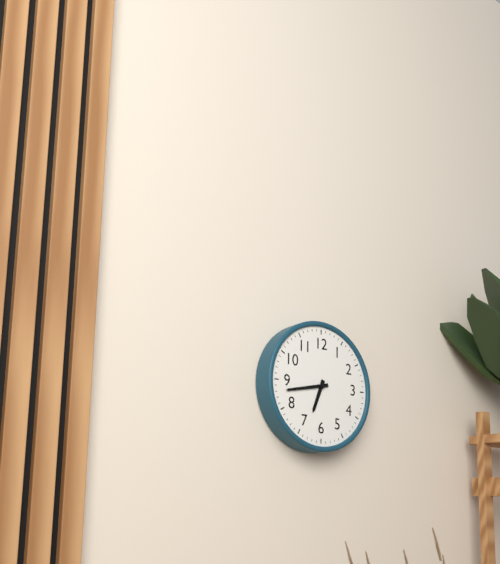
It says 6 h 43 min
